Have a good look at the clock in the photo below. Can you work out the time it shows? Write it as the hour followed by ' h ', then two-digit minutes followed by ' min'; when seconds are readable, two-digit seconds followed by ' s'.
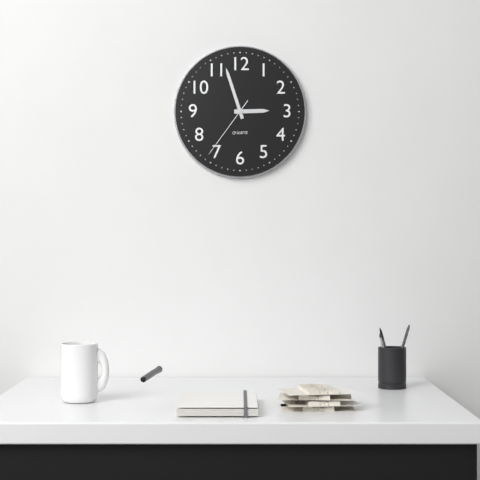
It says 2 h 57 min 36 s
